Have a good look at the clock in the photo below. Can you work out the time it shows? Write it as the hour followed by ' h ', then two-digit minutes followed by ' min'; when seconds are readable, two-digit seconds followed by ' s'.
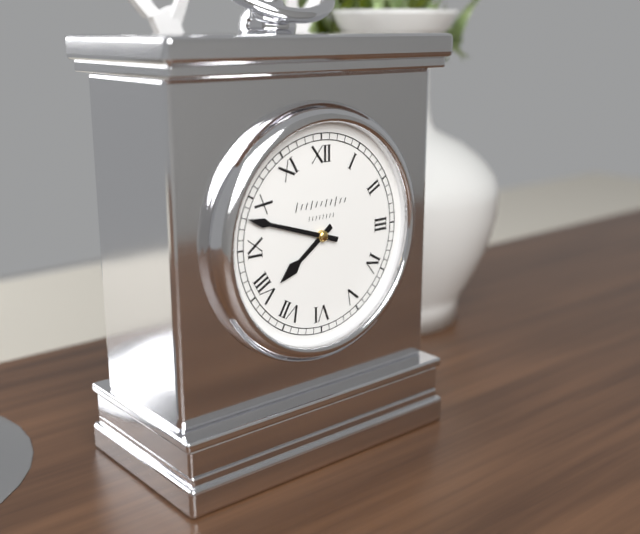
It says 7 h 48 min
